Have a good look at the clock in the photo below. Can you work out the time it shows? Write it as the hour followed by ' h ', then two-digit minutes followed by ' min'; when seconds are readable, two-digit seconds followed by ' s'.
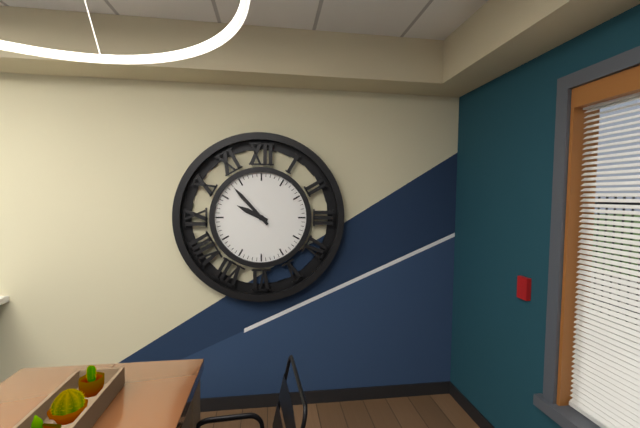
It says 9 h 53 min
